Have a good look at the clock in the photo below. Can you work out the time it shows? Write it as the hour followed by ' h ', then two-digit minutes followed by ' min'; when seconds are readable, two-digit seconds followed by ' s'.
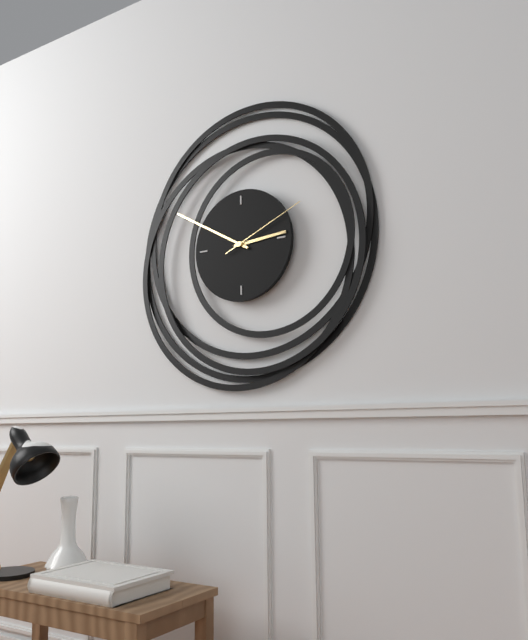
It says 2 h 50 min 11 s
